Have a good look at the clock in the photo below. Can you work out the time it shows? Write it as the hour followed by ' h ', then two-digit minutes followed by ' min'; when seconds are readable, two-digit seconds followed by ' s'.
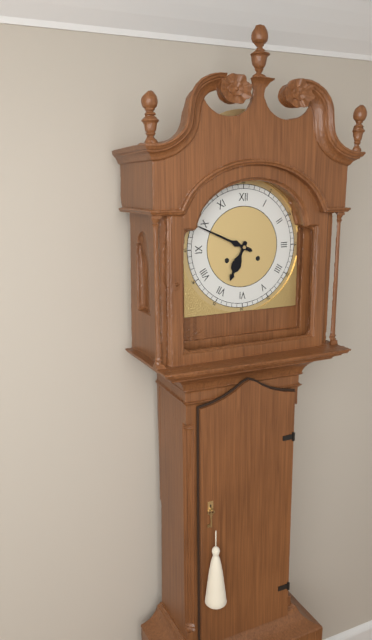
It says 6 h 49 min
